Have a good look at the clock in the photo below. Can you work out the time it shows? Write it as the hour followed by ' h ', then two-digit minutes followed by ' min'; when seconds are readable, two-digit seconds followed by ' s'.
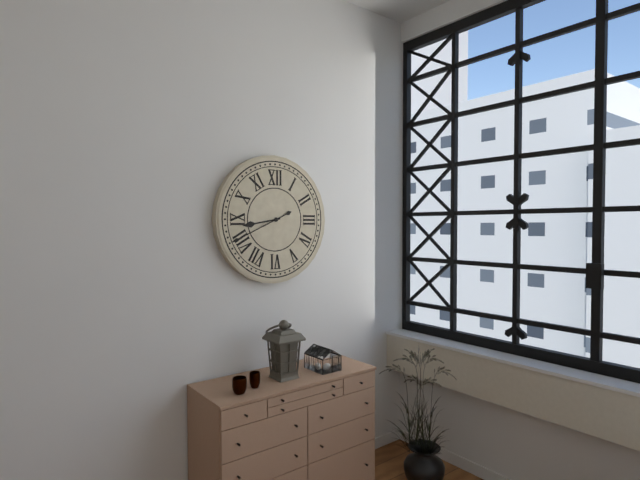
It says 8 h 41 min
